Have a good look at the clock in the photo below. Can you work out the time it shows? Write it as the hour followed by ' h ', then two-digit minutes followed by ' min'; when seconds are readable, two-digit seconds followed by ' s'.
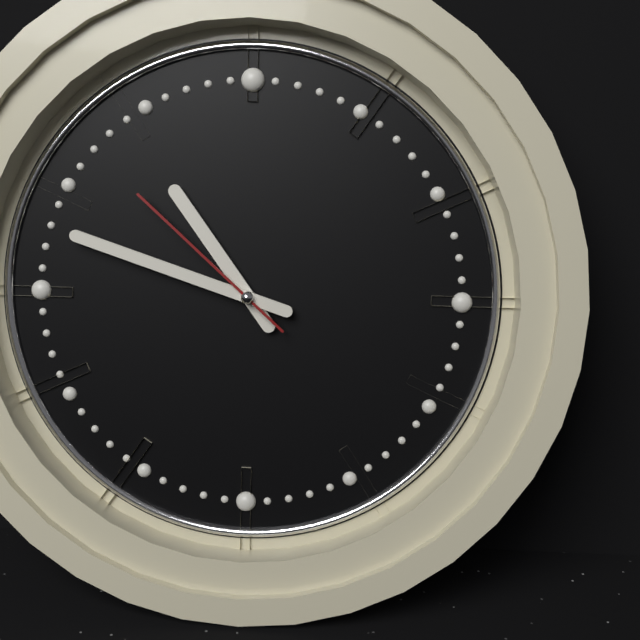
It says 10 h 48 min 52 s
